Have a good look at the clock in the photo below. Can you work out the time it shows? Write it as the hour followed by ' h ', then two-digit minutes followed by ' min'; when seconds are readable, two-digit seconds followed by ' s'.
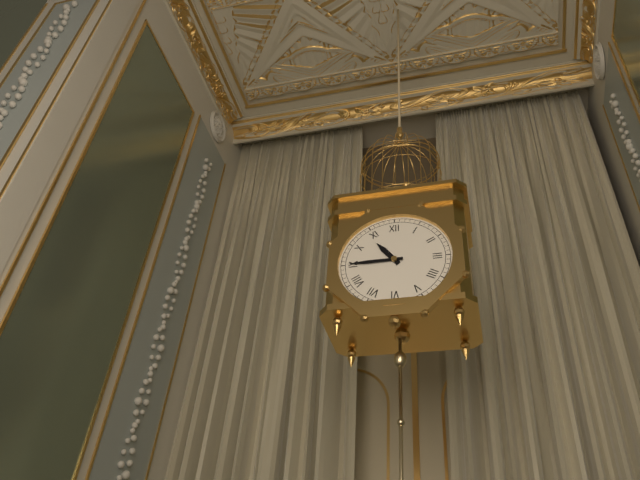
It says 10 h 45 min
